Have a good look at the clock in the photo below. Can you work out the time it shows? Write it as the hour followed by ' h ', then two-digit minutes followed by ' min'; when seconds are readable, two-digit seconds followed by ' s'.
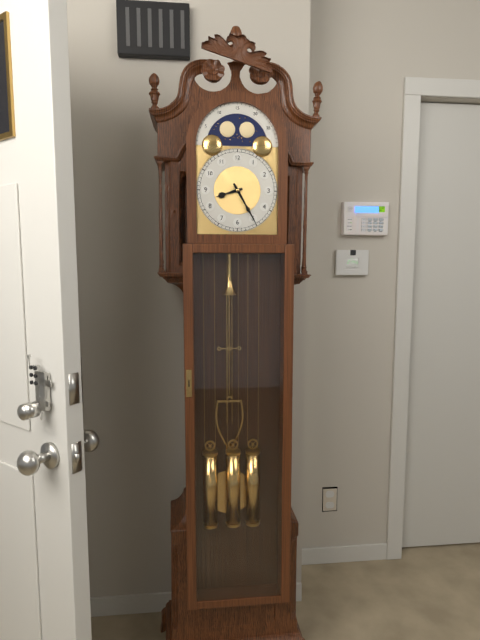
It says 8 h 25 min
